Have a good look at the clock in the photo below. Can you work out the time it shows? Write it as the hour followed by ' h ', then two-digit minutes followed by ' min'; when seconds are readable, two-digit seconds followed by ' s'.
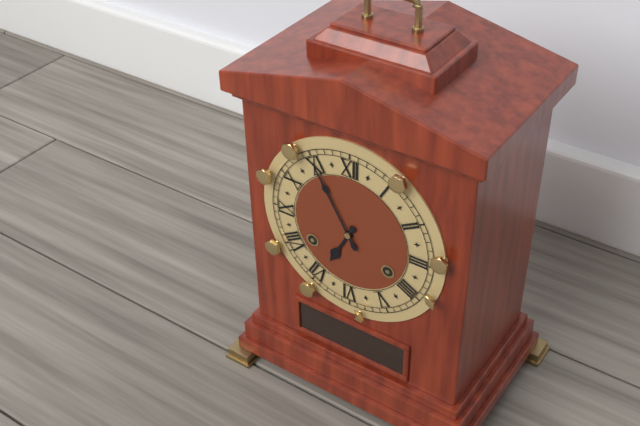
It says 6 h 55 min
